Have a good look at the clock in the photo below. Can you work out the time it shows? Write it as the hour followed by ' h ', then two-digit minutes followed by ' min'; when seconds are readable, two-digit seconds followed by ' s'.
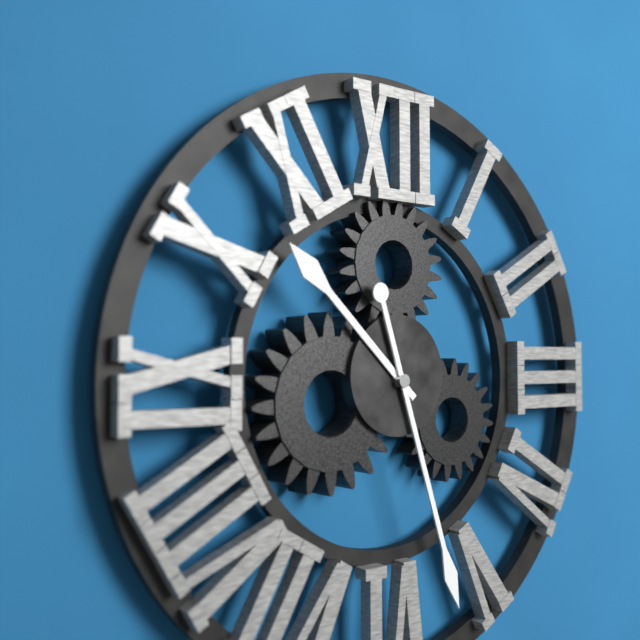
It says 10 h 27 min
